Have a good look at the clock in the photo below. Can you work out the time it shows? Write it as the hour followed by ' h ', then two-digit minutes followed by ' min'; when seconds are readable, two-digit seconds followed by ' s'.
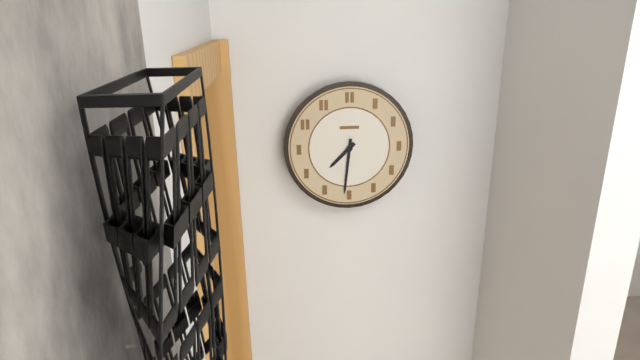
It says 7 h 31 min
